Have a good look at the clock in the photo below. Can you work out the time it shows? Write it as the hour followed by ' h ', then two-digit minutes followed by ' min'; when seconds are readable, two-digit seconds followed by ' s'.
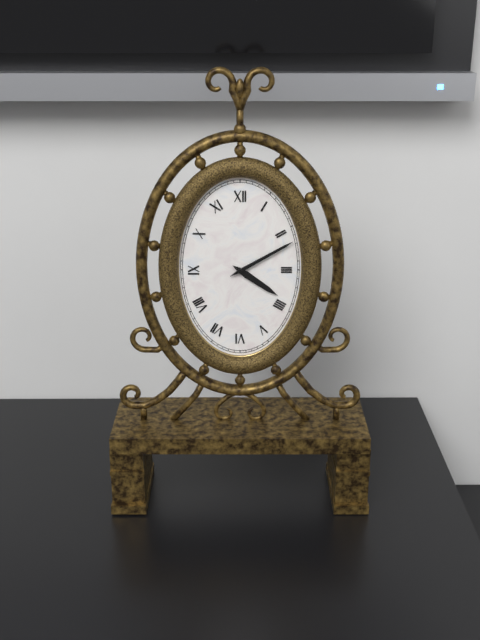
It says 4 h 10 min
